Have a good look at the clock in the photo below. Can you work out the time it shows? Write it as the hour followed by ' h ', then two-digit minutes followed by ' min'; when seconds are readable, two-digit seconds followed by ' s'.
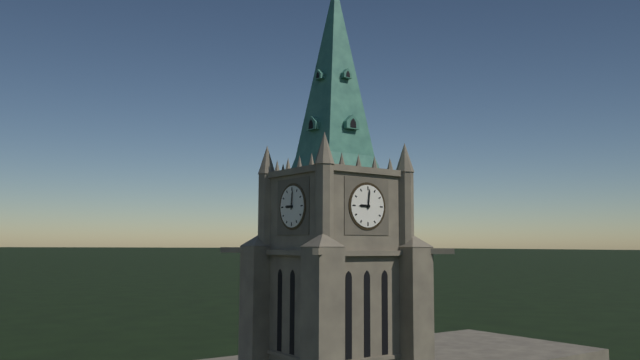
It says 9 h 01 min
